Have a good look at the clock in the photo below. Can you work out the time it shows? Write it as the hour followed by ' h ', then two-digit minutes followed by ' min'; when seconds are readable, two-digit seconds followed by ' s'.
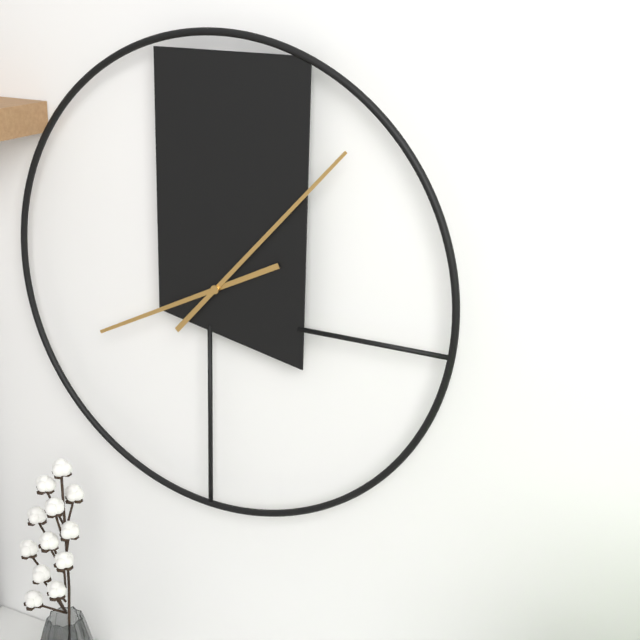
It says 8 h 07 min
